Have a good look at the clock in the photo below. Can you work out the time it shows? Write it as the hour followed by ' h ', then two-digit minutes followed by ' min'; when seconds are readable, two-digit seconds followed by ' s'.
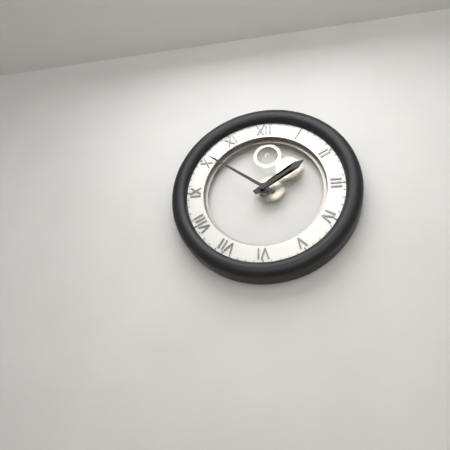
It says 1 h 51 min
